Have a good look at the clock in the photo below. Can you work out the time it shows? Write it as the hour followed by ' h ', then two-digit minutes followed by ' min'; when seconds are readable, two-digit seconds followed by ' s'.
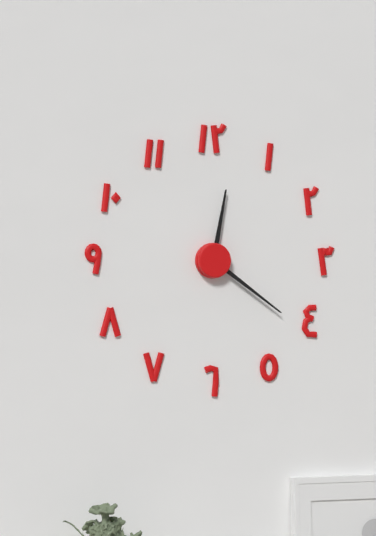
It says 12 h 21 min
